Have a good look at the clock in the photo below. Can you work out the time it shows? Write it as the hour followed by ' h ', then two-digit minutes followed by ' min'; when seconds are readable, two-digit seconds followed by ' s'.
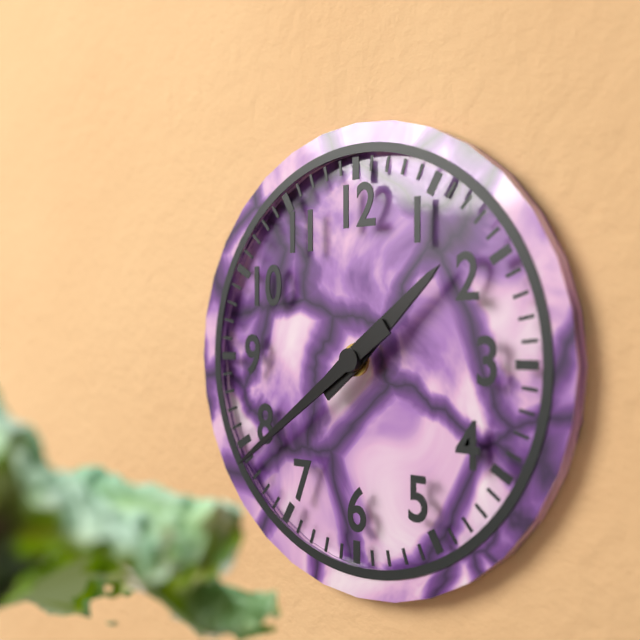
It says 1 h 39 min
